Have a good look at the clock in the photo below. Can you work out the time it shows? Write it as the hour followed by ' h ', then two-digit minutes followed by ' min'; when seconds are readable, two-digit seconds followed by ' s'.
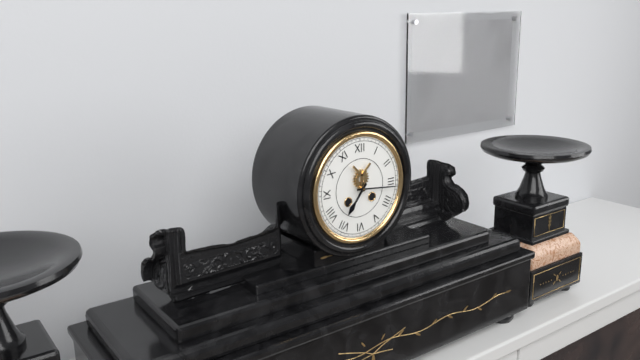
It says 7 h 16 min
